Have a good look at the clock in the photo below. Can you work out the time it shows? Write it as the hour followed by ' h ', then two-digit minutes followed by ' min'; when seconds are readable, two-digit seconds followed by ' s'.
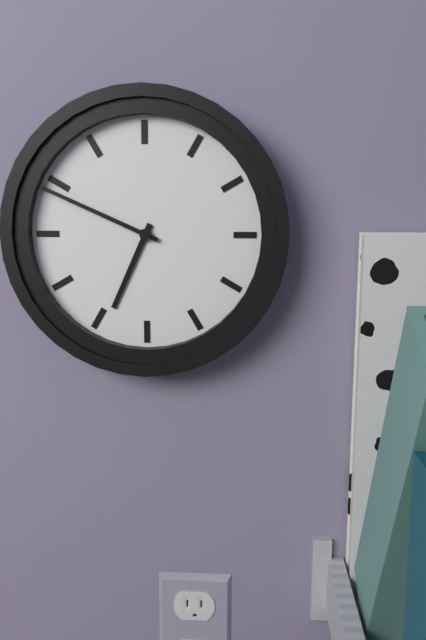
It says 6 h 49 min
